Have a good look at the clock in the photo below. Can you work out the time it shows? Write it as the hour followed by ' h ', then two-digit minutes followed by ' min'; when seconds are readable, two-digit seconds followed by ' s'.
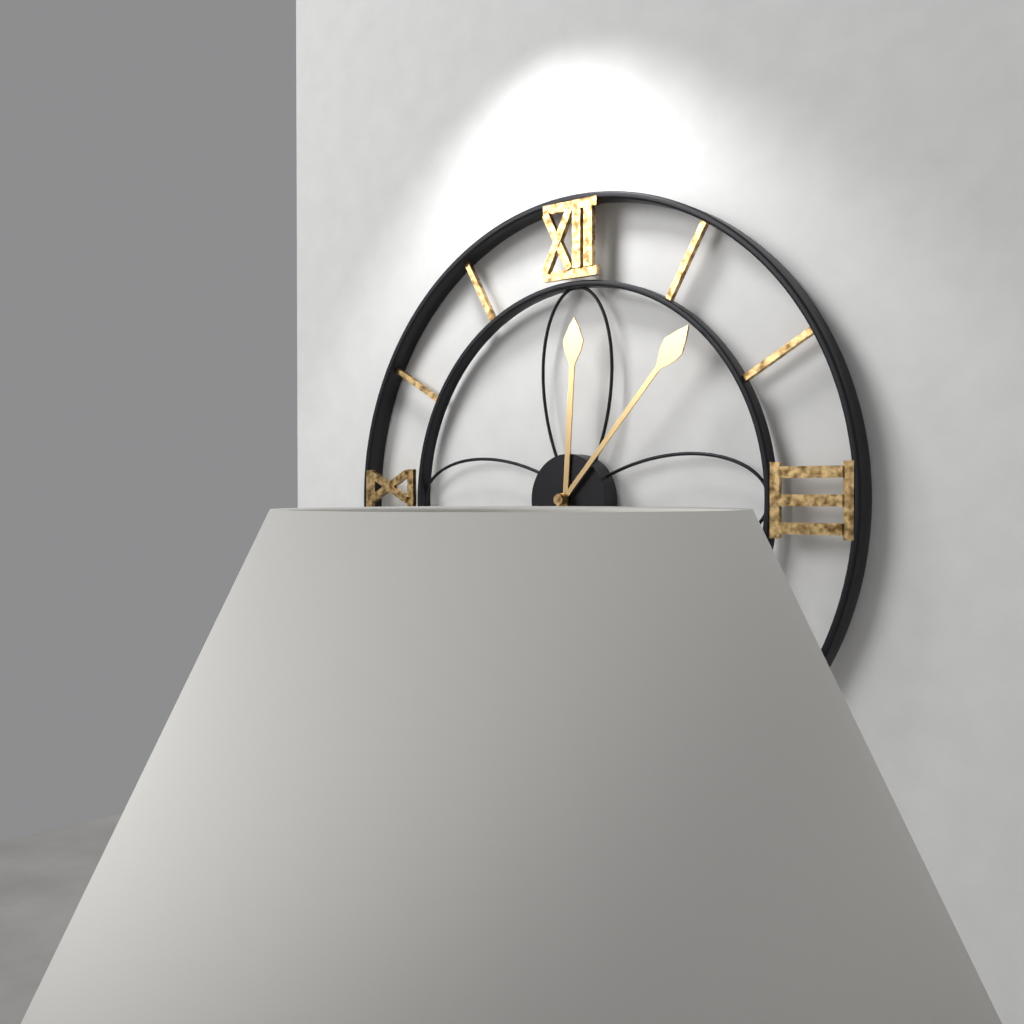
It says 12 h 07 min
